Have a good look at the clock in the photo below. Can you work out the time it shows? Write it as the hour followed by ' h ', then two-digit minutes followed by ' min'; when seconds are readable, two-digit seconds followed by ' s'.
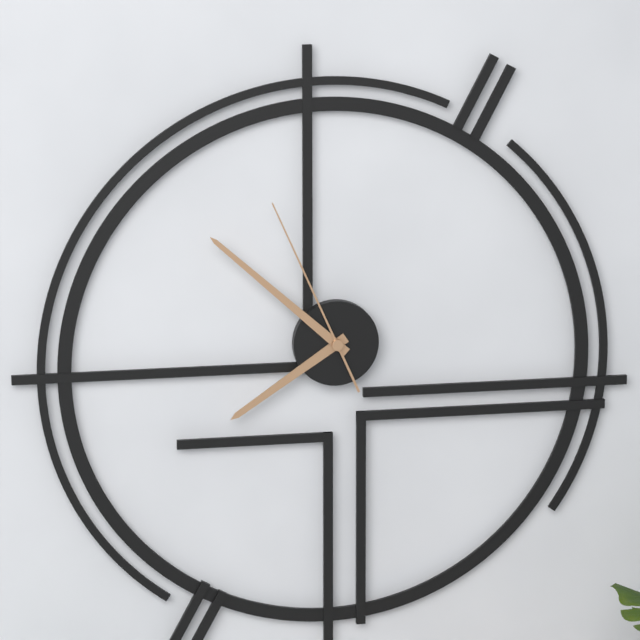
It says 7 h 52 min 56 s
